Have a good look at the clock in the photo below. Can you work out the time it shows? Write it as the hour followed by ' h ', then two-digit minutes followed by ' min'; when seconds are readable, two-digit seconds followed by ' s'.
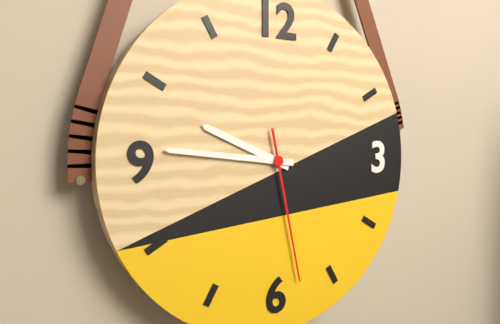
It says 9 h 46 min 28 s
